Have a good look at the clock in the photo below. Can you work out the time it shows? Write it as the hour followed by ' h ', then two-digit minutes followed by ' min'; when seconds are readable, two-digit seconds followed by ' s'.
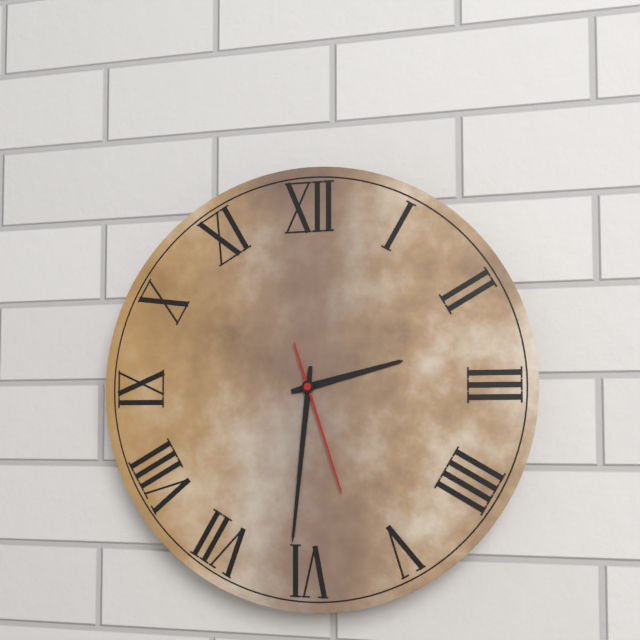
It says 2 h 31 min 27 s
